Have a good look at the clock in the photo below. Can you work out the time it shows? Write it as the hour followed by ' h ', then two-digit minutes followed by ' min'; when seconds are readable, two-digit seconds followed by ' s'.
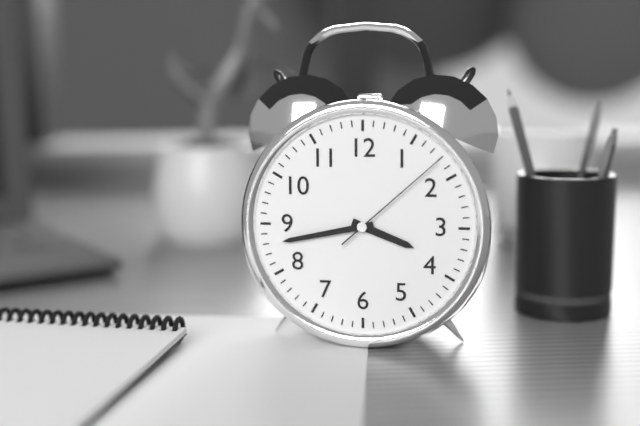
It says 3 h 43 min 08 s
